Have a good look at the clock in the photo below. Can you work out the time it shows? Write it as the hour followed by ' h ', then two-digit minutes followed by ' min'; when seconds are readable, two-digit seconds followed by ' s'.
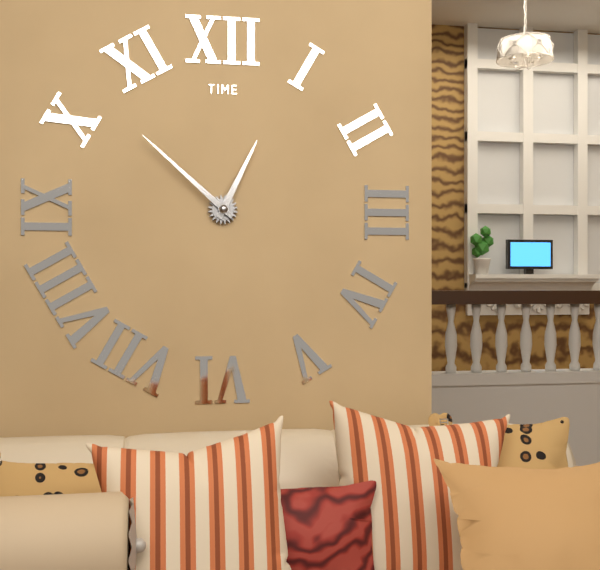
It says 12 h 52 min
